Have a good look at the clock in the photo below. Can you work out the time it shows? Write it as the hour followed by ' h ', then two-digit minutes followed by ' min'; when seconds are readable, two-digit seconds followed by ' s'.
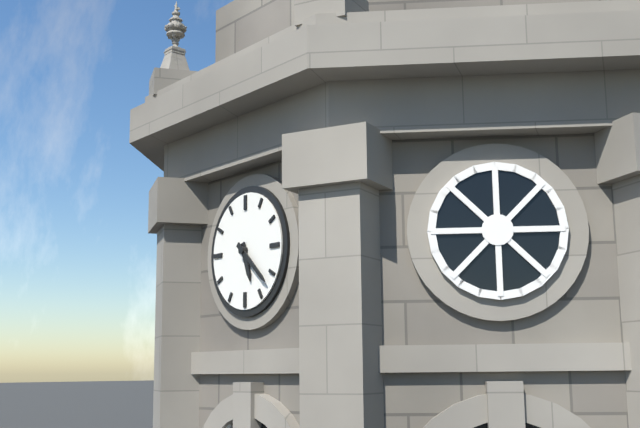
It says 5 h 22 min
